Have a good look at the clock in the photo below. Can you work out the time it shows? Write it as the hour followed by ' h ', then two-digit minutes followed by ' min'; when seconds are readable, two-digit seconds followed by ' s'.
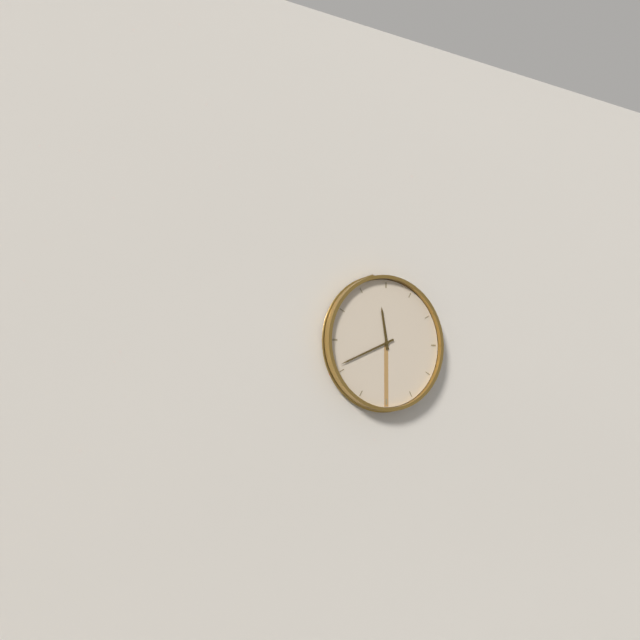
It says 11 h 41 min
